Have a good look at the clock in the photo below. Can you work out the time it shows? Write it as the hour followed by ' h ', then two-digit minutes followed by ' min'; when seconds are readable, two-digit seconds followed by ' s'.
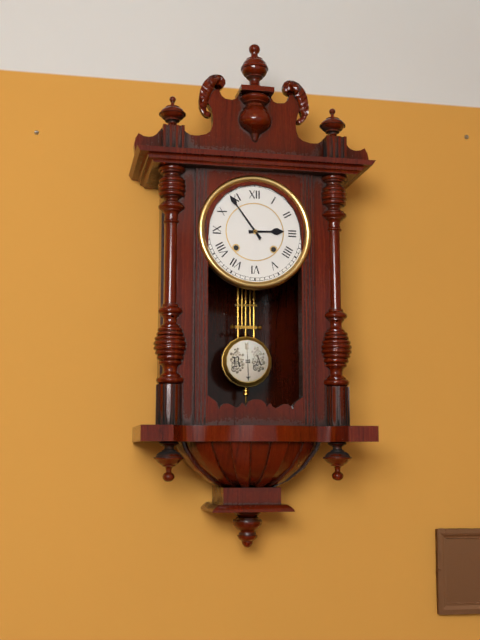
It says 2 h 54 min
